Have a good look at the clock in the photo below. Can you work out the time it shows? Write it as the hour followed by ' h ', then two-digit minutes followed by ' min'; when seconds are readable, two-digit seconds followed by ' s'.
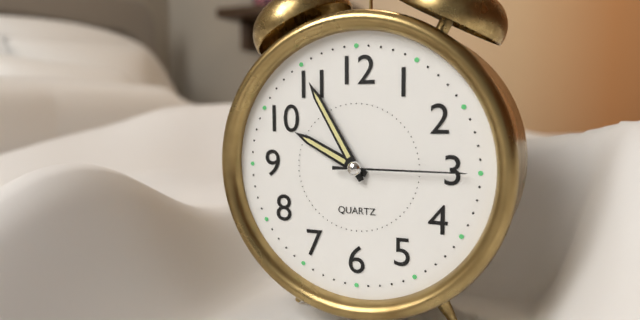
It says 9 h 55 min 15 s
